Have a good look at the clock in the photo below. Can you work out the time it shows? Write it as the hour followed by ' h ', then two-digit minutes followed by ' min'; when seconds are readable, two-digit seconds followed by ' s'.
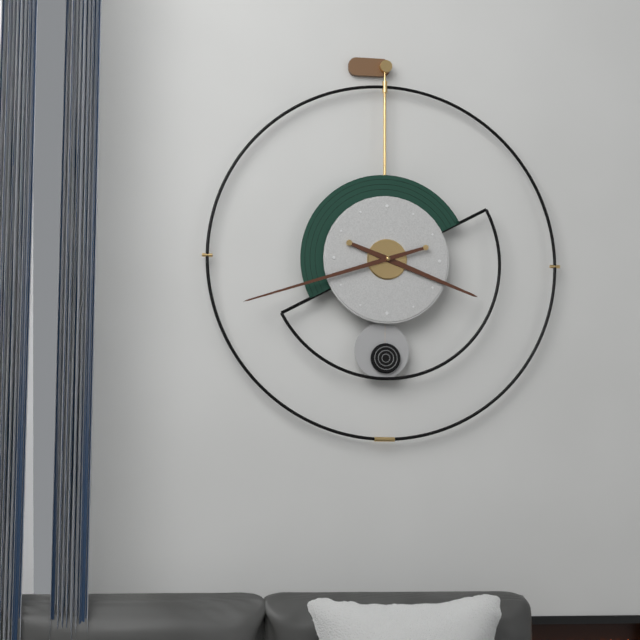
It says 3 h 42 min
